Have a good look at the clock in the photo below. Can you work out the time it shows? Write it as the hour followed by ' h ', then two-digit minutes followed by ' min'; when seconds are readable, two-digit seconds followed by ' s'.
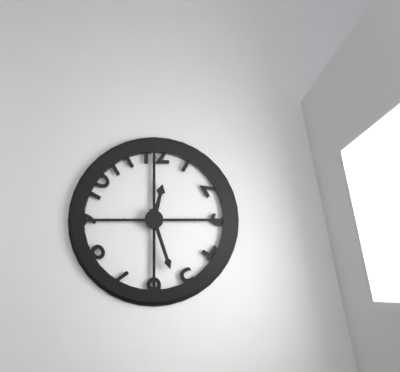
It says 12 h 27 min
